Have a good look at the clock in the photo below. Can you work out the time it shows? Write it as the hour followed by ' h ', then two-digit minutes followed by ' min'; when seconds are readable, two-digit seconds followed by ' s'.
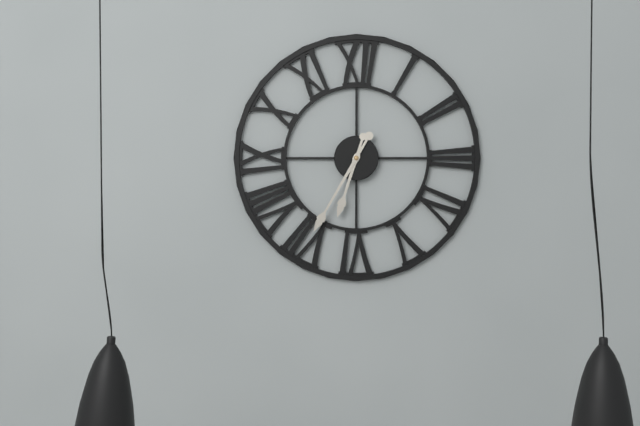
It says 6 h 35 min
